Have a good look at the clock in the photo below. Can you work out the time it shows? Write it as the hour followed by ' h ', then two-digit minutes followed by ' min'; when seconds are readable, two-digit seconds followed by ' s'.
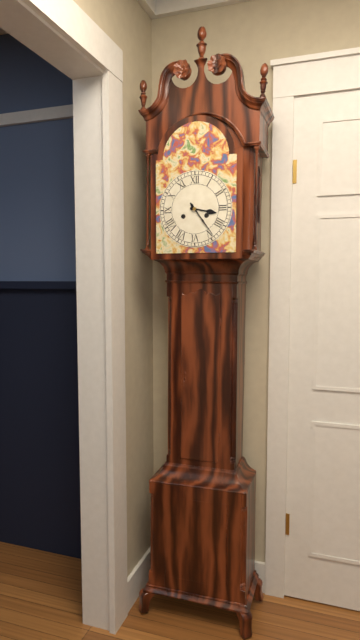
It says 3 h 24 min
